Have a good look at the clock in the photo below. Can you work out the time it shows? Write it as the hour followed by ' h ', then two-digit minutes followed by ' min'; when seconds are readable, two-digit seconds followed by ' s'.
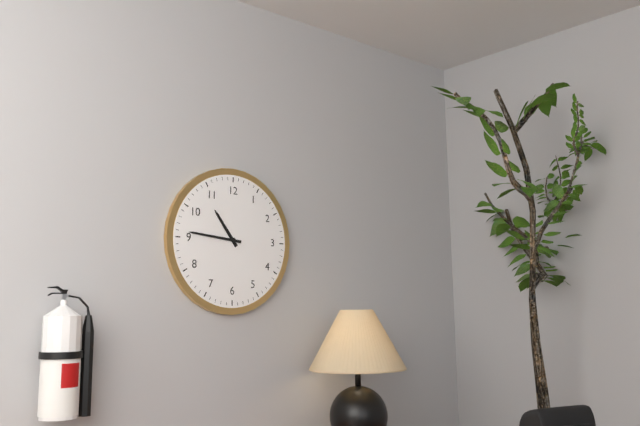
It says 10 h 46 min
